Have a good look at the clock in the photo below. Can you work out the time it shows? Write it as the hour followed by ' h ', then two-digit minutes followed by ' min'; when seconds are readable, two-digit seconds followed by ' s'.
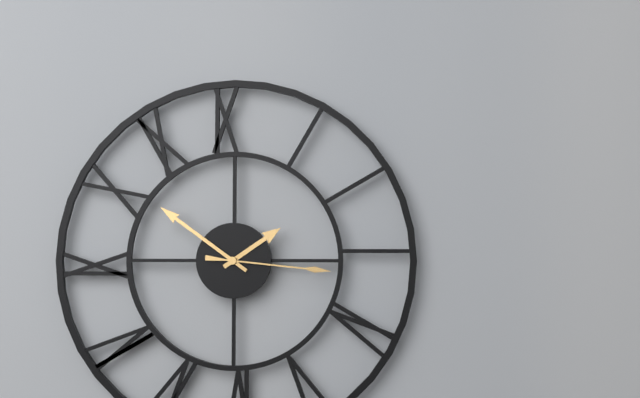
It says 1 h 51 min 16 s
